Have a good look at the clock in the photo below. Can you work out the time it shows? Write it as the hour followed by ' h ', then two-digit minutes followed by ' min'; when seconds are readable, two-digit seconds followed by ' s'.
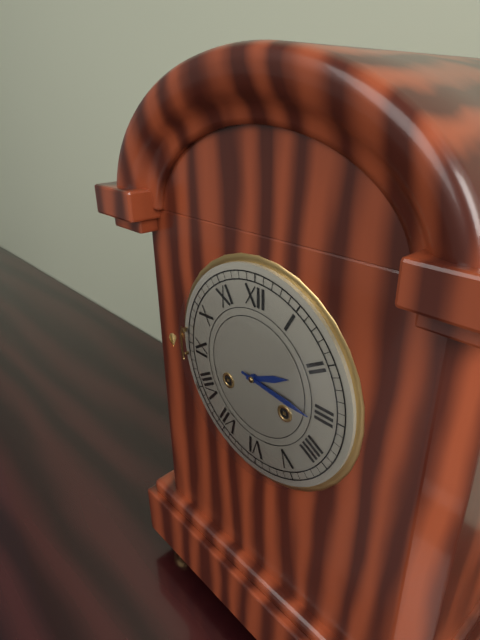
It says 2 h 16 min
